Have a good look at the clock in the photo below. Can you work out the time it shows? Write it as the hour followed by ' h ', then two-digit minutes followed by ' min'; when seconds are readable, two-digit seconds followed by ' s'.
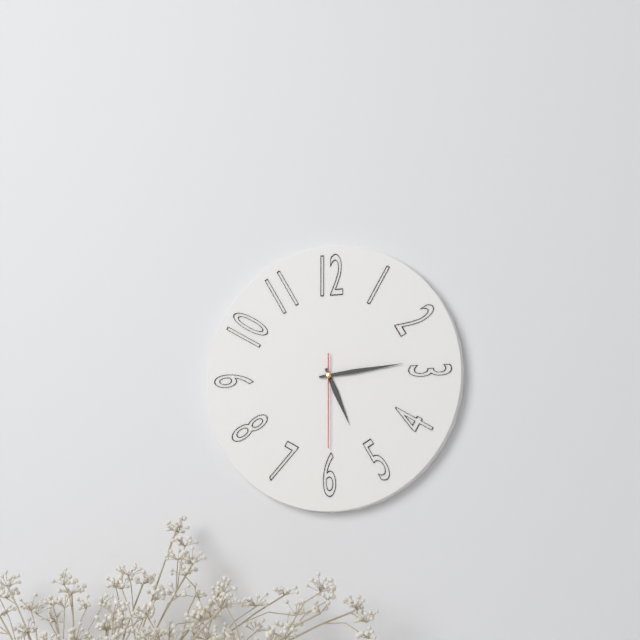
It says 5 h 14 min 30 s
